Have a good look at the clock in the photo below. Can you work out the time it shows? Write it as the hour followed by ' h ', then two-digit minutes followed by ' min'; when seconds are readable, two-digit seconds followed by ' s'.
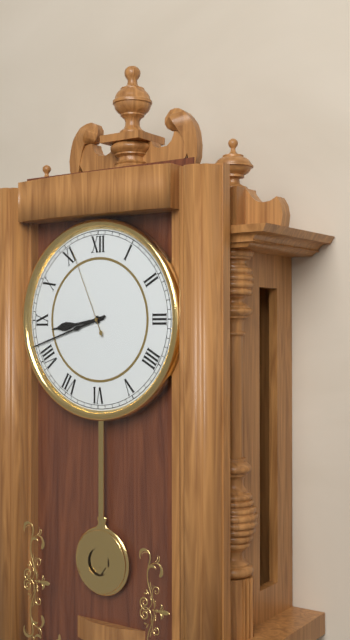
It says 8 h 42 min 56 s
